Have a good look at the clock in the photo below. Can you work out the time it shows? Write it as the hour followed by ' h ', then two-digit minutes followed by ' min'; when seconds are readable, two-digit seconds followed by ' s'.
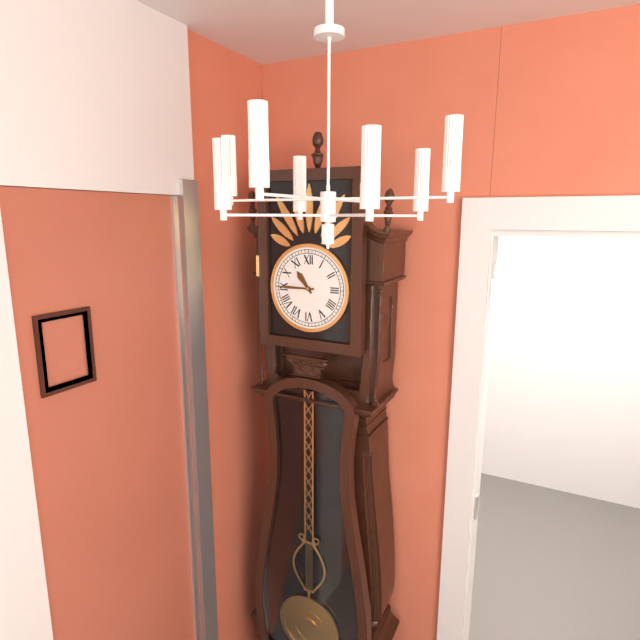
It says 10 h 45 min
